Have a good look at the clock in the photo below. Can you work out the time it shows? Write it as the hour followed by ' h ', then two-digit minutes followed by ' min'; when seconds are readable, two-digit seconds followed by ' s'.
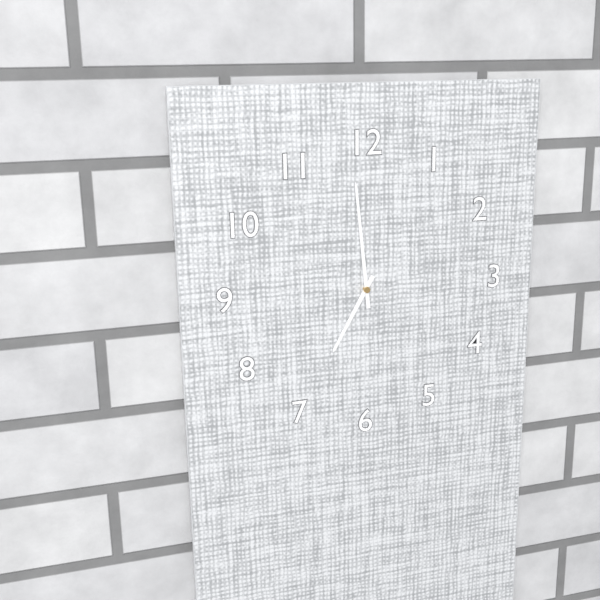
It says 6 h 59 min
